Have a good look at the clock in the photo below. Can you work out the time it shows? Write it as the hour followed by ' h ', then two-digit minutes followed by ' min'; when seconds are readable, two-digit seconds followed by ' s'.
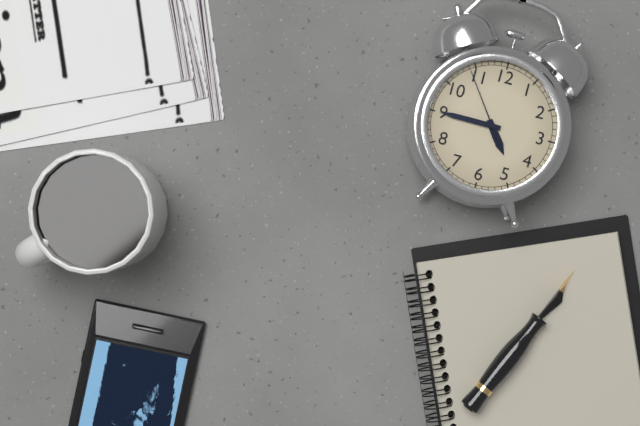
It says 4 h 45 min 54 s
